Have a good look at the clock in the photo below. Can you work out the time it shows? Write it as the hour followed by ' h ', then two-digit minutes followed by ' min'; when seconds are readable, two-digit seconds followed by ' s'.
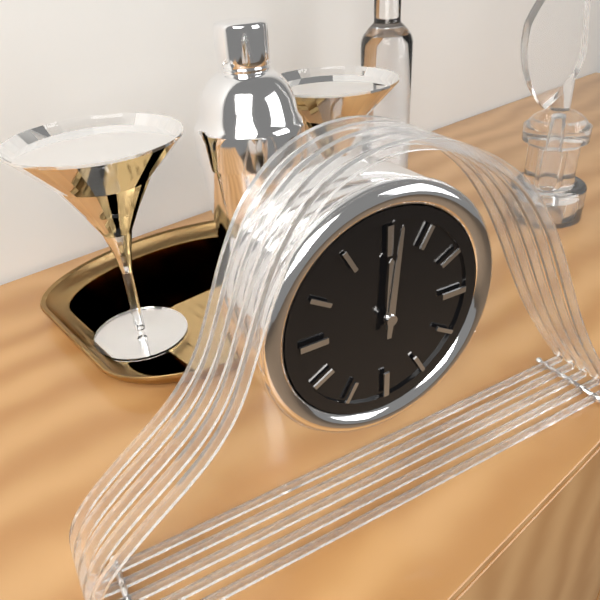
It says 12 h 01 min
